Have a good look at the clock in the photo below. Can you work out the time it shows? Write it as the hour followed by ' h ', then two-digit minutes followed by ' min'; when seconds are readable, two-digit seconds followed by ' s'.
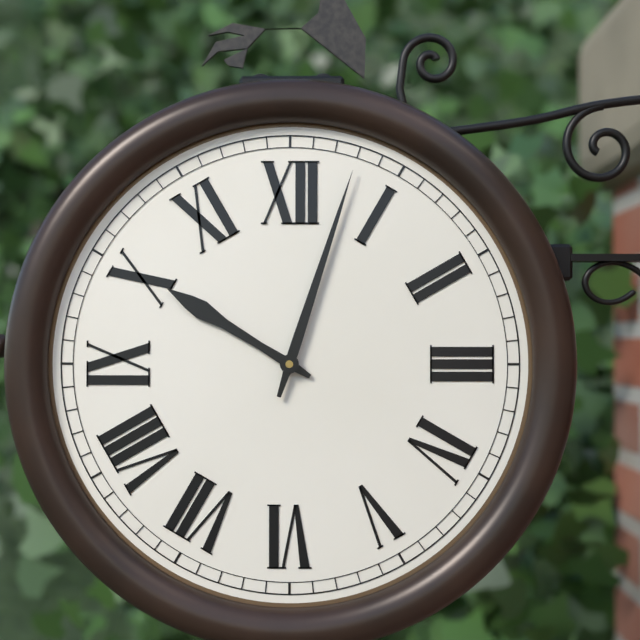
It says 10 h 03 min
